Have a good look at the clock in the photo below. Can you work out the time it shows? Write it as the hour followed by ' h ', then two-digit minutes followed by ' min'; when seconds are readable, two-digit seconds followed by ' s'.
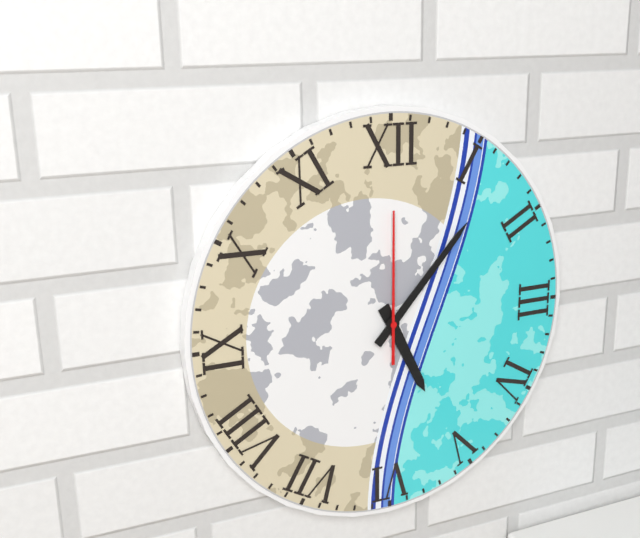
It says 5 h 07 min 00 s
